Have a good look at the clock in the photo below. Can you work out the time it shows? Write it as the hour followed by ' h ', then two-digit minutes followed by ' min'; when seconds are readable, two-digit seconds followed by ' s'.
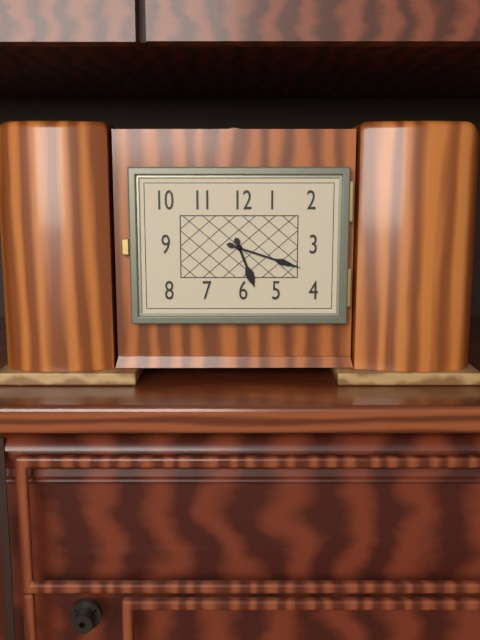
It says 5 h 18 min
